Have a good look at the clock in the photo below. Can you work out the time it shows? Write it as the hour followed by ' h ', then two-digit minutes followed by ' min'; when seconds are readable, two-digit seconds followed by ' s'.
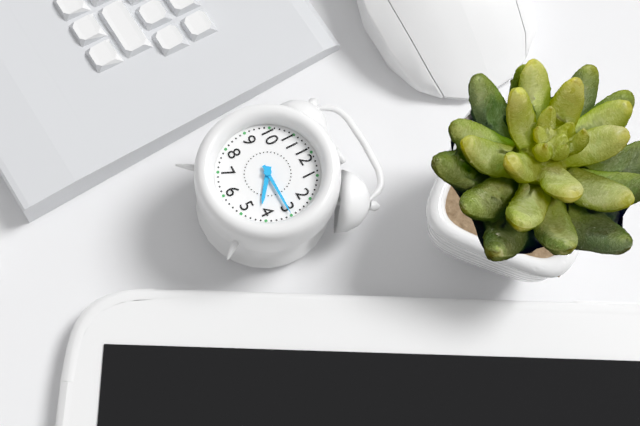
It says 4 h 15 min
